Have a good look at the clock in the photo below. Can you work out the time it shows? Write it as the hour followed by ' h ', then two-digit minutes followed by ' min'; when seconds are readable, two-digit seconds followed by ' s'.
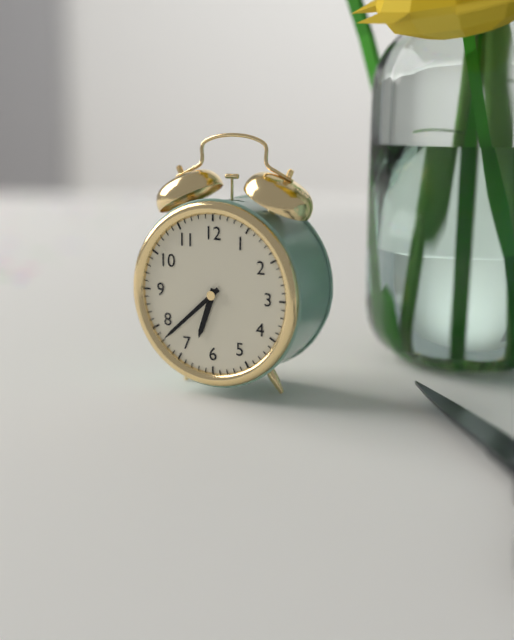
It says 6 h 38 min
